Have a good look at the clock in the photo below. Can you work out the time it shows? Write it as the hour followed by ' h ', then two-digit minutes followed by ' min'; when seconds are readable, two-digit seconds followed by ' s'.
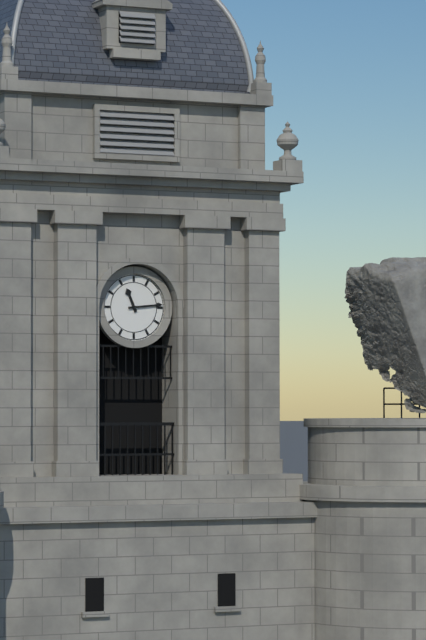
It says 11 h 14 min
